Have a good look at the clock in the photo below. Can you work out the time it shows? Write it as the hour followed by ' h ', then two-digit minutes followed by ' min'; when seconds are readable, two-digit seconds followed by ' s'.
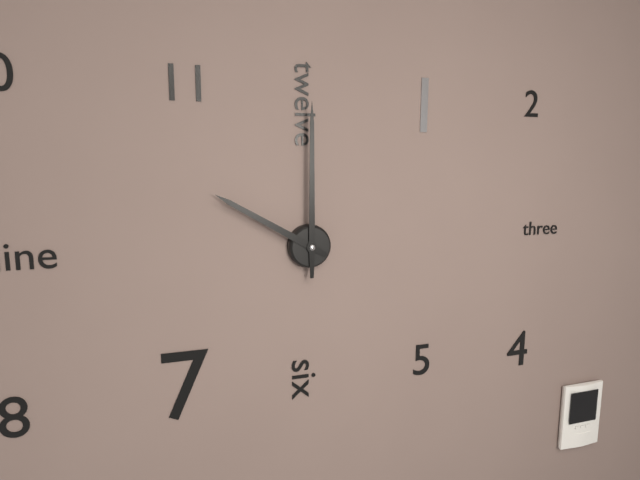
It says 10 h 00 min
